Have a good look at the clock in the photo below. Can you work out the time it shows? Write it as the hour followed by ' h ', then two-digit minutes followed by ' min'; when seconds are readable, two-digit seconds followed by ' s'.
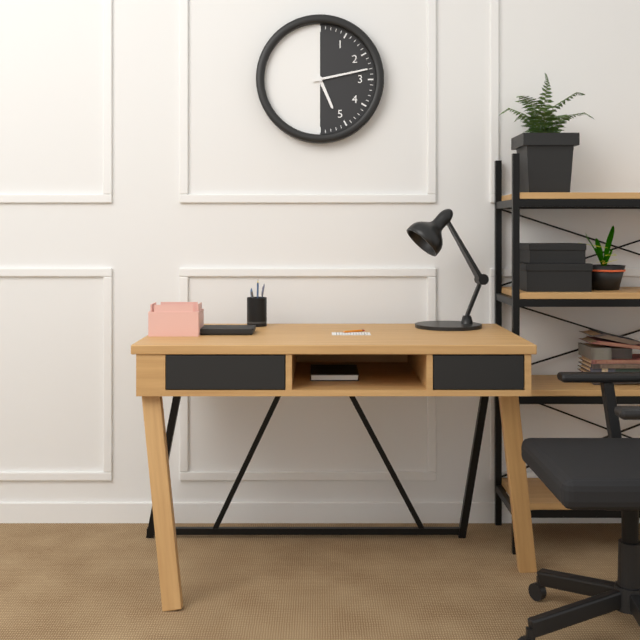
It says 5 h 13 min
